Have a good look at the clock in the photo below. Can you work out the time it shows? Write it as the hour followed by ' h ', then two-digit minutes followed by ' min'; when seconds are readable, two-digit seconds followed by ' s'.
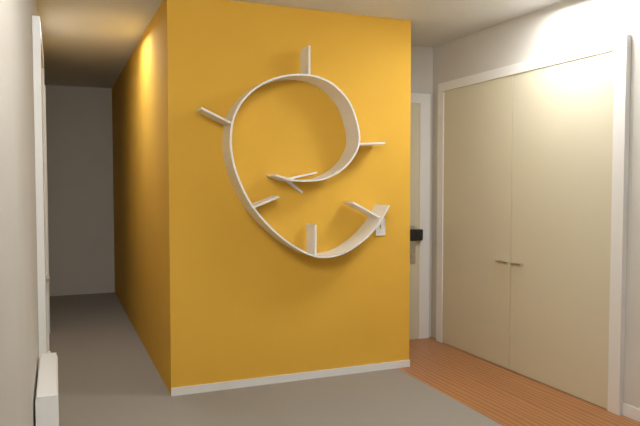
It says 4 h 13 min
